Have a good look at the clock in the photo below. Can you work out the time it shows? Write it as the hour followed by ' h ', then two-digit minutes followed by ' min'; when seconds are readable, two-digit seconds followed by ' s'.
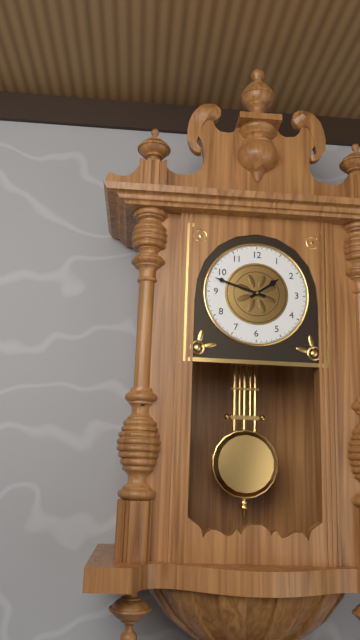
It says 1 h 48 min
